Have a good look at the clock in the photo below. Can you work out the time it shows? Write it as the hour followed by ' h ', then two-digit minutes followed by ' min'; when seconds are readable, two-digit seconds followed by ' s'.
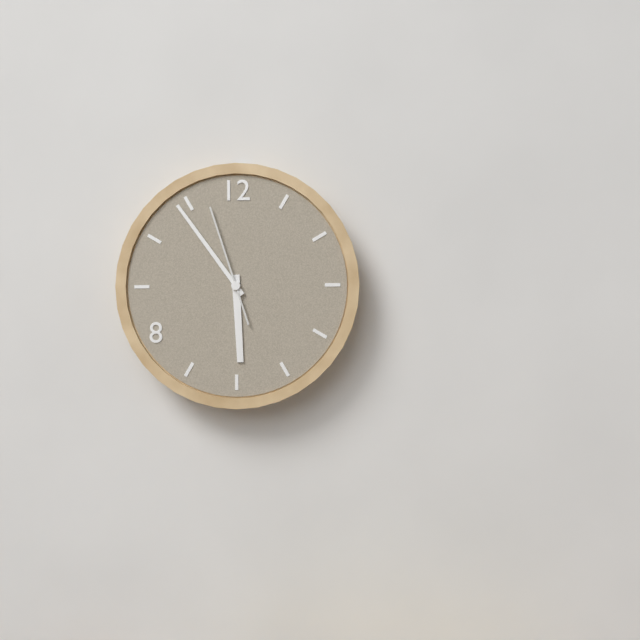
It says 5 h 54 min 57 s
